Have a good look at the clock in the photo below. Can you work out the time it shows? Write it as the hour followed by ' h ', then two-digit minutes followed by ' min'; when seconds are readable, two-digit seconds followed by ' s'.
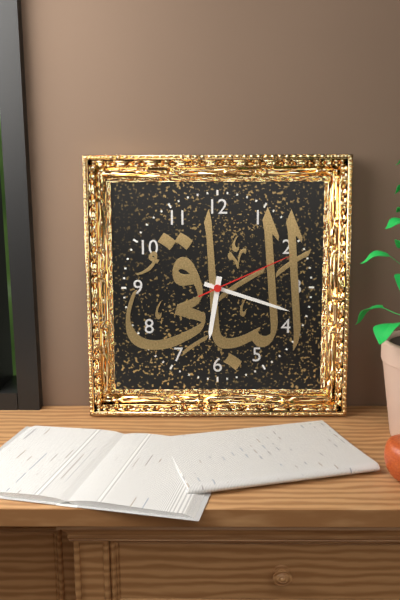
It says 6 h 18 min 11 s
